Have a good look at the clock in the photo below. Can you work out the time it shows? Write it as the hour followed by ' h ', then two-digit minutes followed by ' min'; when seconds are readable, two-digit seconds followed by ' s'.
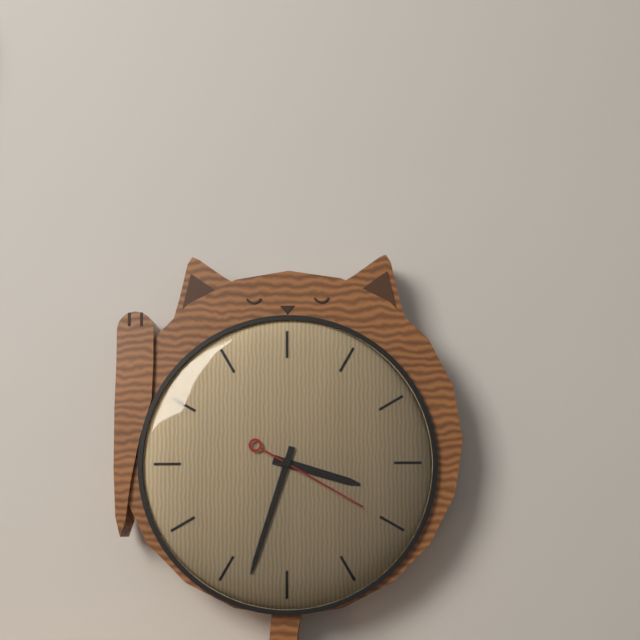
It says 3 h 33 min 20 s
